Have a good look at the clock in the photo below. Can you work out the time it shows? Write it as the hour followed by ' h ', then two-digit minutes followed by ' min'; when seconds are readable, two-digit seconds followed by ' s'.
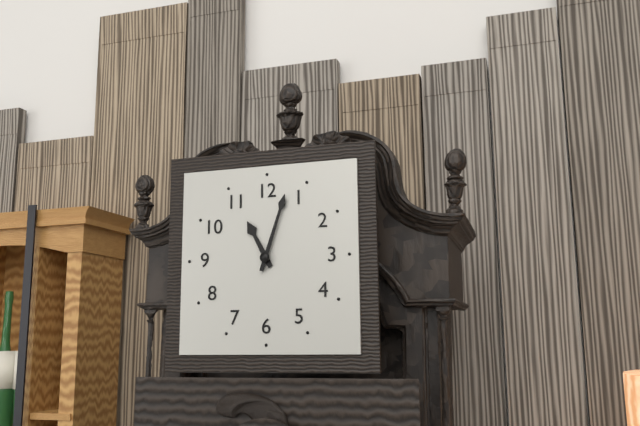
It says 11 h 03 min
